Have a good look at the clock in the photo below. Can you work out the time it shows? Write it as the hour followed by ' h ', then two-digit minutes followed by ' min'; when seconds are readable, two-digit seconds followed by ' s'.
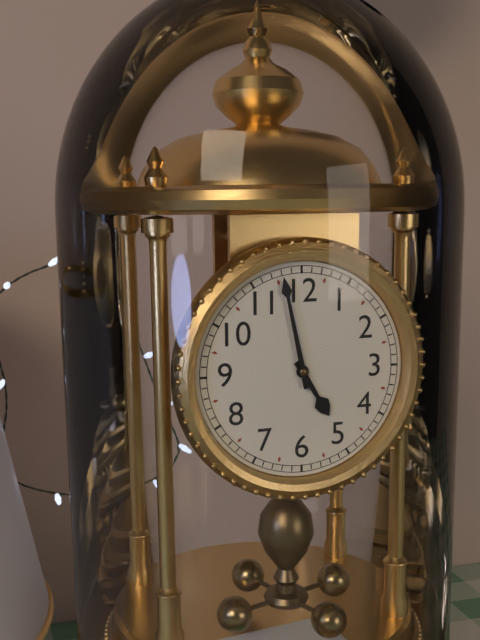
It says 4 h 58 min
